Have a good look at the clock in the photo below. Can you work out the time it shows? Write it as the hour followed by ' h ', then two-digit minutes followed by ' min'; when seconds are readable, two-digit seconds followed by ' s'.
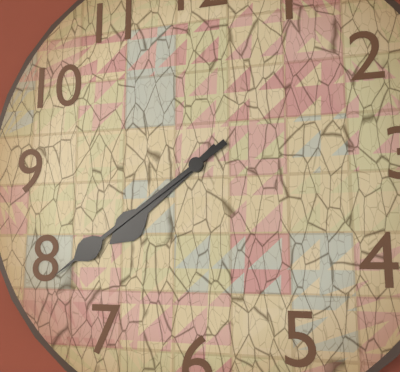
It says 7 h 39 min
